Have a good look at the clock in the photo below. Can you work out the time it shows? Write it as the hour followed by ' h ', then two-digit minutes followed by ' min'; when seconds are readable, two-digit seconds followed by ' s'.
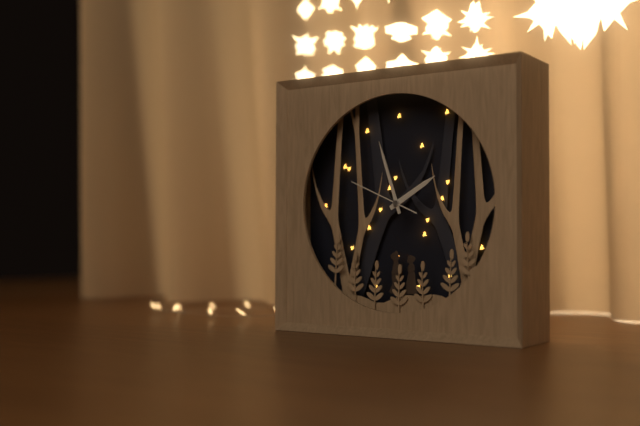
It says 1 h 57 min 49 s
